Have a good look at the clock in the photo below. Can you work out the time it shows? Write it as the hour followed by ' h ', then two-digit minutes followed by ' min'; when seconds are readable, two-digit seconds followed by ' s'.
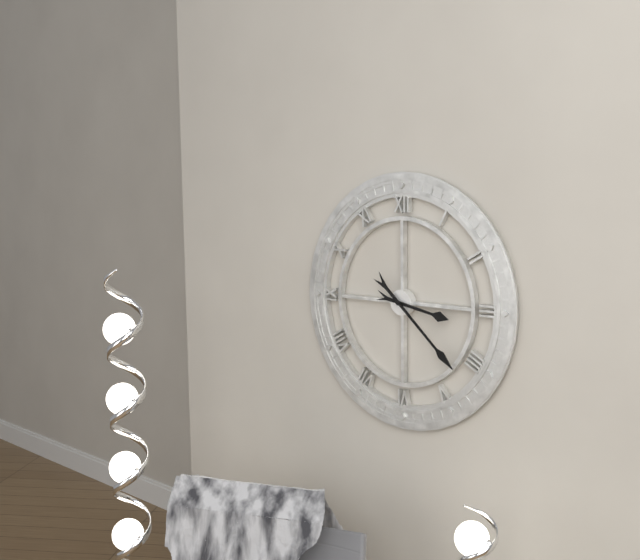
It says 3 h 22 min
